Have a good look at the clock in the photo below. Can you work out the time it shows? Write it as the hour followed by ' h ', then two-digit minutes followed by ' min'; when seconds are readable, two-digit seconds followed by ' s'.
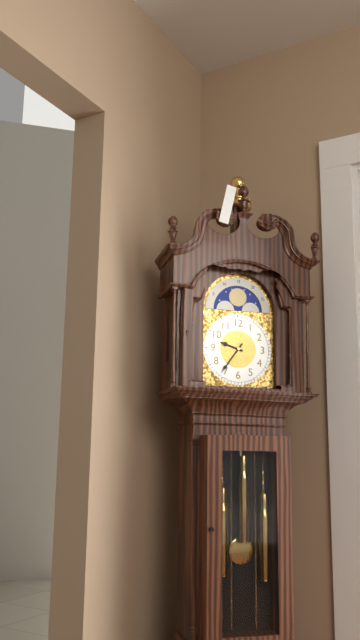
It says 9 h 36 min
